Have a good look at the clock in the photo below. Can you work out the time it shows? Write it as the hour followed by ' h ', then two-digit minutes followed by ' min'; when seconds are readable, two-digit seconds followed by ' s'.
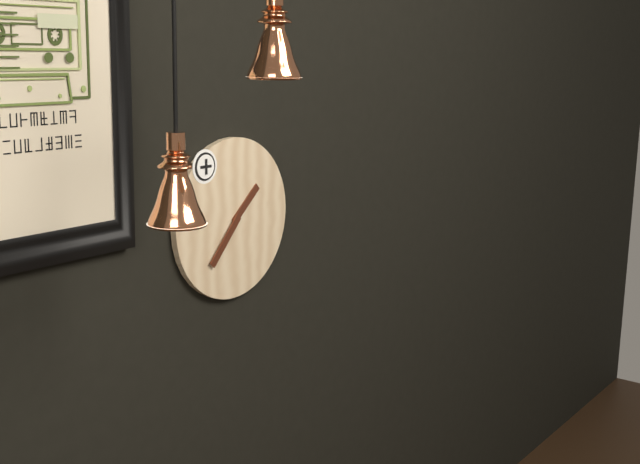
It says 1 h 37 min
